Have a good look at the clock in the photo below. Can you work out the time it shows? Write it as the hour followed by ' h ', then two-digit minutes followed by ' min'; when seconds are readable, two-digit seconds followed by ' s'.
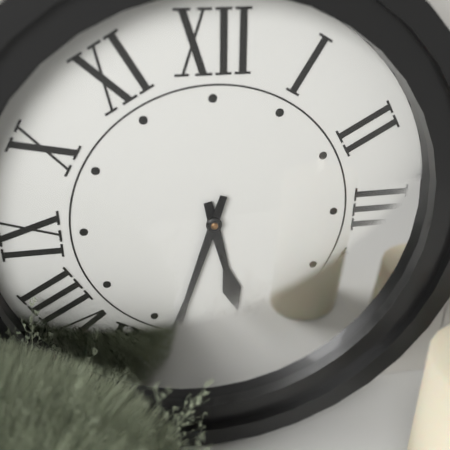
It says 5 h 33 min
